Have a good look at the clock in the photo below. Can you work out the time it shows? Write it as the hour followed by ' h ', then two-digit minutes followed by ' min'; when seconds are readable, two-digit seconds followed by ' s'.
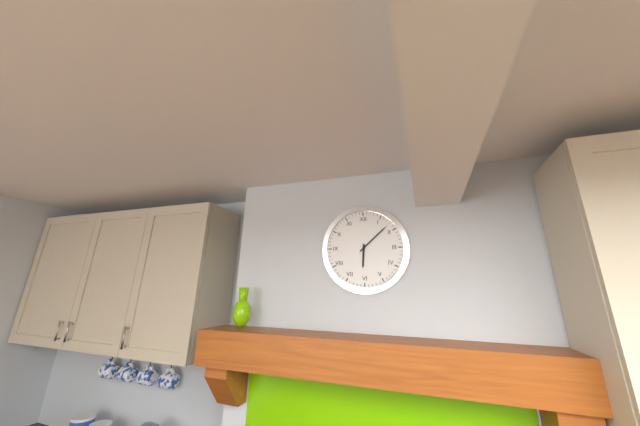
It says 6 h 08 min
